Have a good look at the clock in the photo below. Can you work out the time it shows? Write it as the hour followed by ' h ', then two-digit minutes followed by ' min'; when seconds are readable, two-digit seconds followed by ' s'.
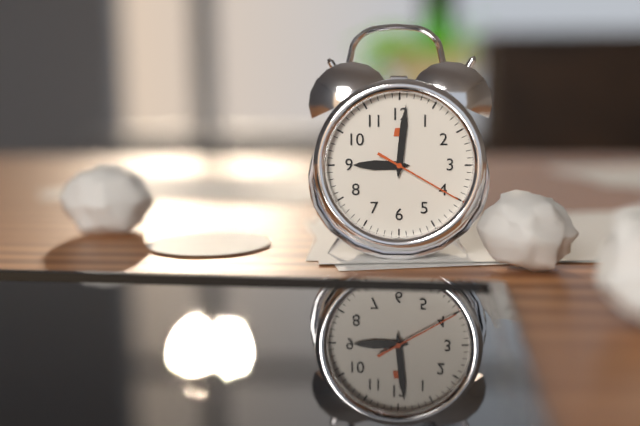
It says 9 h 01 min 20 s
